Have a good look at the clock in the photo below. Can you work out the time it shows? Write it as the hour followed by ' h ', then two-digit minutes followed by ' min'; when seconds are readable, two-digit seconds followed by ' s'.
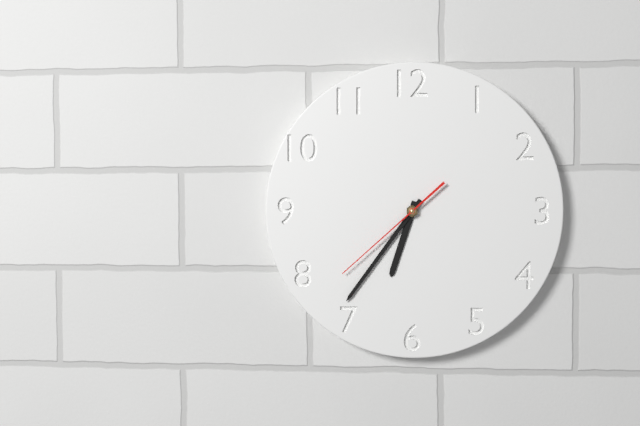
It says 6 h 36 min 38 s
